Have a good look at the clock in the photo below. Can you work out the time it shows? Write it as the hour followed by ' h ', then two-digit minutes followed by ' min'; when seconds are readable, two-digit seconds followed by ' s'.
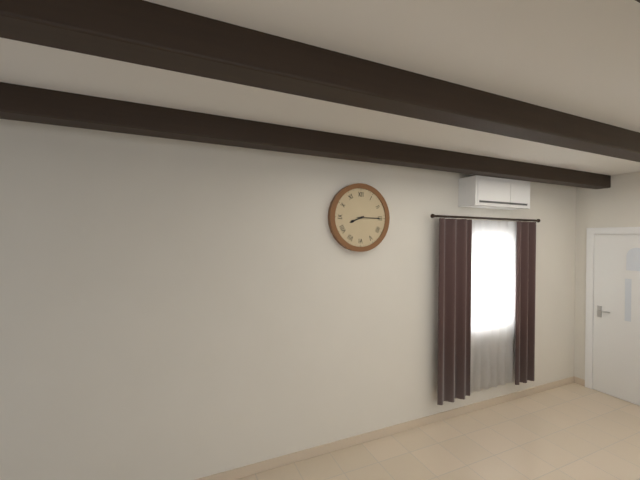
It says 8 h 15 min
